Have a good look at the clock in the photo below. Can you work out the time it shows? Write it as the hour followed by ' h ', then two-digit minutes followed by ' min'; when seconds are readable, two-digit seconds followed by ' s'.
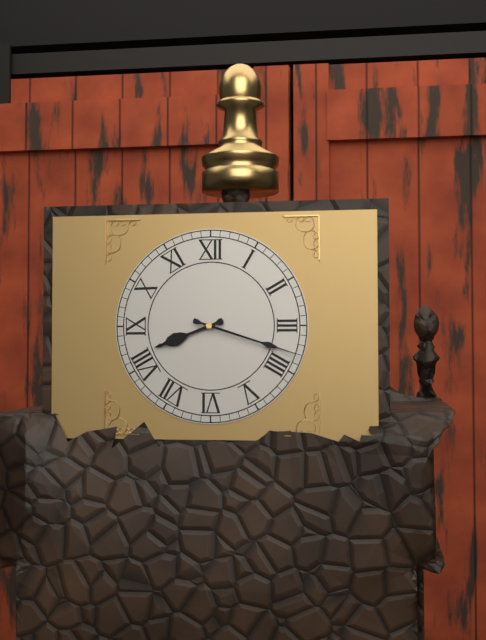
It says 8 h 18 min
